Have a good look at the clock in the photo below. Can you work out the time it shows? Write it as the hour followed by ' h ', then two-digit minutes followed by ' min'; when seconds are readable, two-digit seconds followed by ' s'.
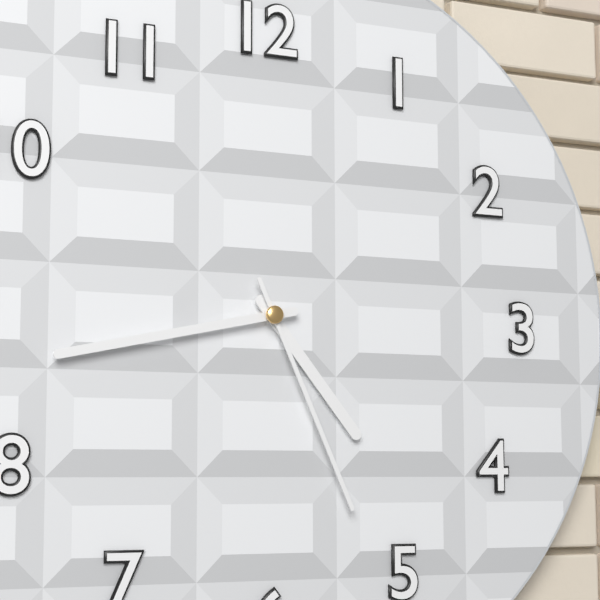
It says 4 h 43 min 26 s
